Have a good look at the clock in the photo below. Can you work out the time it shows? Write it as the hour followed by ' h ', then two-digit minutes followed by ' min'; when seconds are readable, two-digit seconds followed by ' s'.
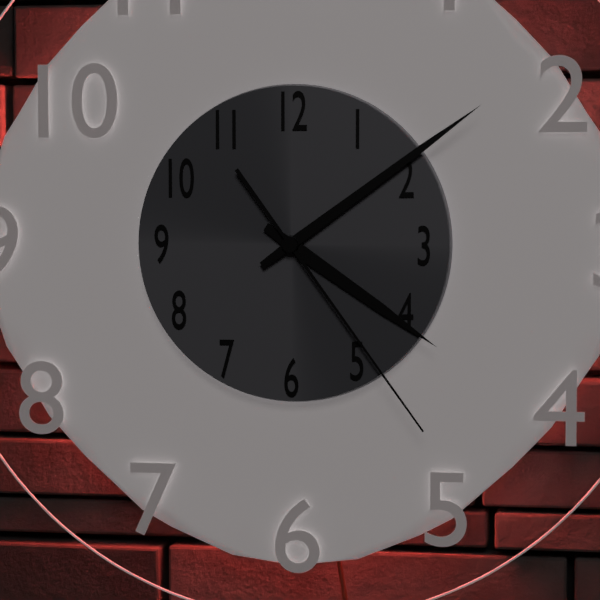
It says 4 h 09 min 24 s
